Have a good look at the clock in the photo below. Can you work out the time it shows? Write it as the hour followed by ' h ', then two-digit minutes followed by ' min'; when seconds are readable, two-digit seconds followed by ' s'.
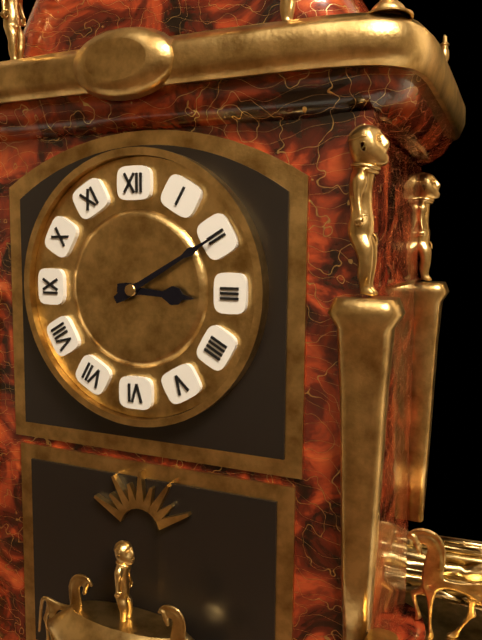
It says 3 h 10 min
